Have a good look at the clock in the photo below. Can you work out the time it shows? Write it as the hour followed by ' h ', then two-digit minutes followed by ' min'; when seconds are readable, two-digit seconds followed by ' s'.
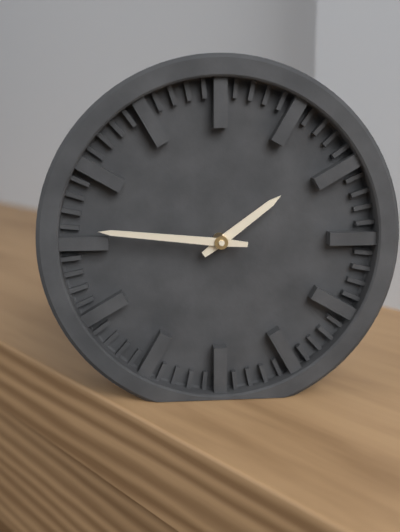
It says 1 h 46 min
